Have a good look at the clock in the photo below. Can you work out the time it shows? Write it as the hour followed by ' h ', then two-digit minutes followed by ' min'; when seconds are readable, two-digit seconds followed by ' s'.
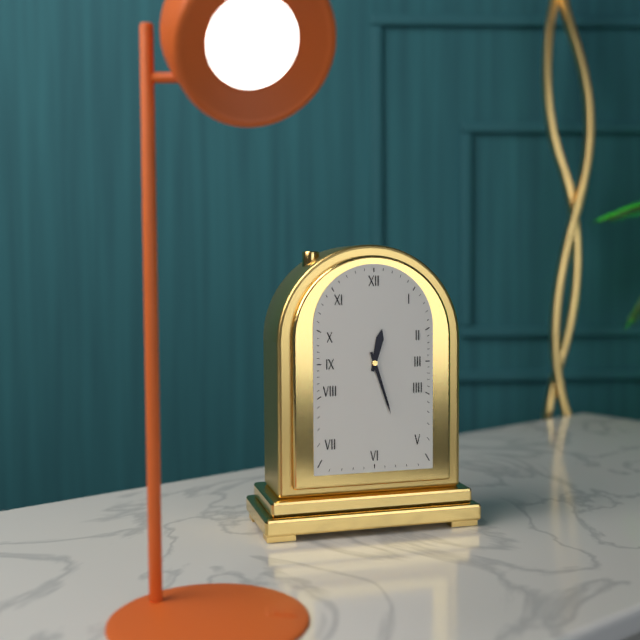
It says 12 h 27 min
